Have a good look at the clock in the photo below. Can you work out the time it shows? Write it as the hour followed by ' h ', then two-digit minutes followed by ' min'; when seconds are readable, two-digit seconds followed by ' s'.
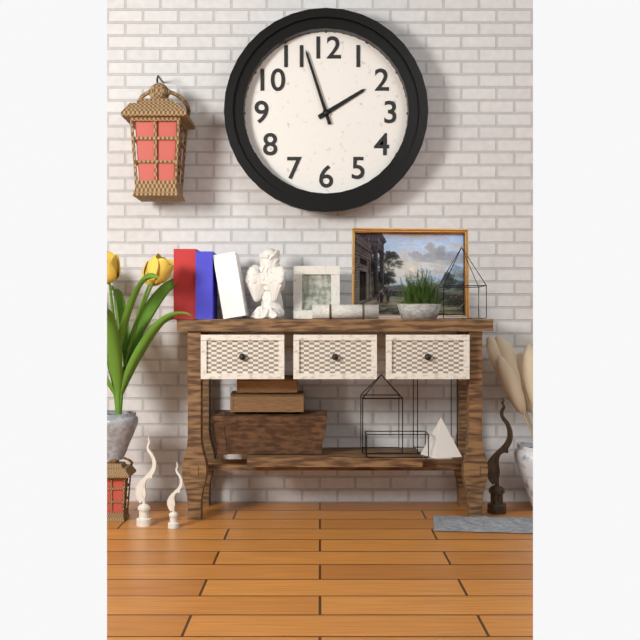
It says 1 h 57 min
